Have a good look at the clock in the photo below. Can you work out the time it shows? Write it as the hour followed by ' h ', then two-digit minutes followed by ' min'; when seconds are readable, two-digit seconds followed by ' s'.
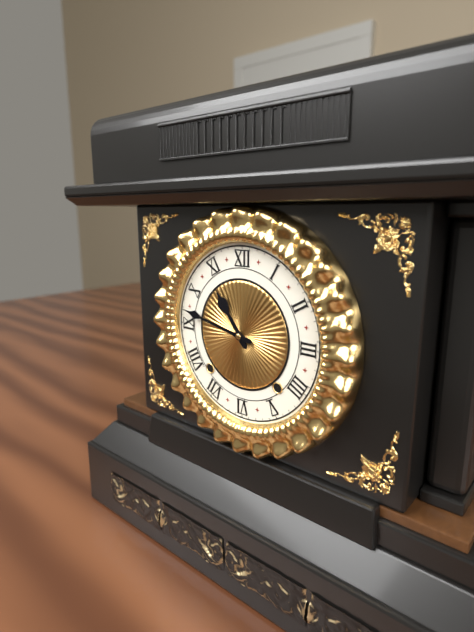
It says 10 h 47 min
